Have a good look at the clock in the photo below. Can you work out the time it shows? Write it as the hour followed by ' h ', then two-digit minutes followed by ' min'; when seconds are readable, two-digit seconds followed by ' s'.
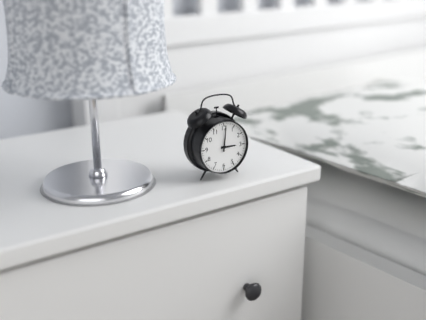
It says 3 h 01 min
